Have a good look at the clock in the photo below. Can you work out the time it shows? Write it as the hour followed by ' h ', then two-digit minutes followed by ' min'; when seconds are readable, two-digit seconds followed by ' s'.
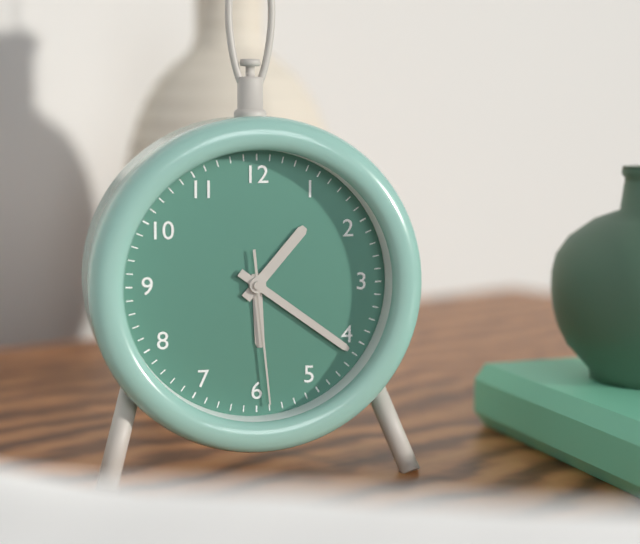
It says 1 h 21 min 29 s
